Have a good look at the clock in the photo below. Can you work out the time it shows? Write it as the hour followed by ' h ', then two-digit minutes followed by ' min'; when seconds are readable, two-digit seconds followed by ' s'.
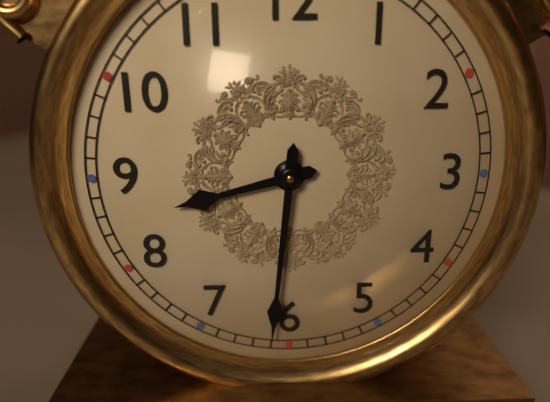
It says 8 h 31 min
